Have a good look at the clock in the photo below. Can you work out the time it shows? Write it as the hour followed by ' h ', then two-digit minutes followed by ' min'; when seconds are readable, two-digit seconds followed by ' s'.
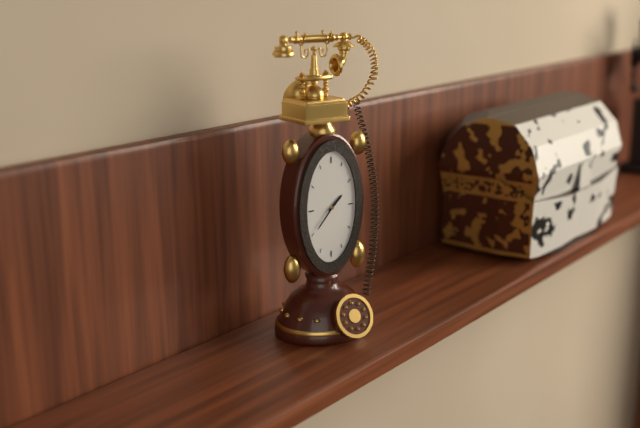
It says 1 h 37 min
